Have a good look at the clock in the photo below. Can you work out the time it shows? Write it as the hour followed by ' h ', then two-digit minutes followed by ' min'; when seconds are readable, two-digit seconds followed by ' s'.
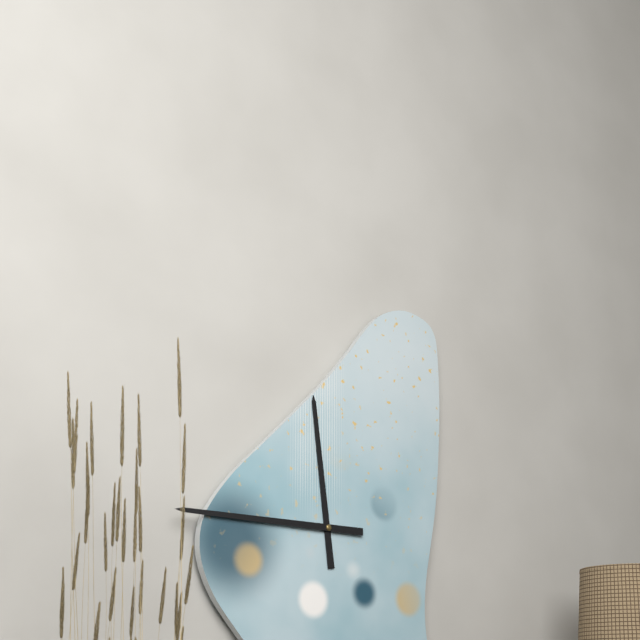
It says 11 h 45 min
